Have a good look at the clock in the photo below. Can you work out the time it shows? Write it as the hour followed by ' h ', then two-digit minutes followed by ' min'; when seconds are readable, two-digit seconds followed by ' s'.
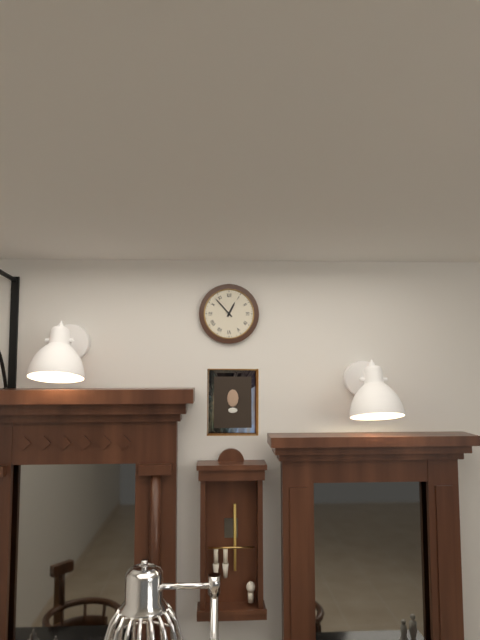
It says 12 h 53 min
